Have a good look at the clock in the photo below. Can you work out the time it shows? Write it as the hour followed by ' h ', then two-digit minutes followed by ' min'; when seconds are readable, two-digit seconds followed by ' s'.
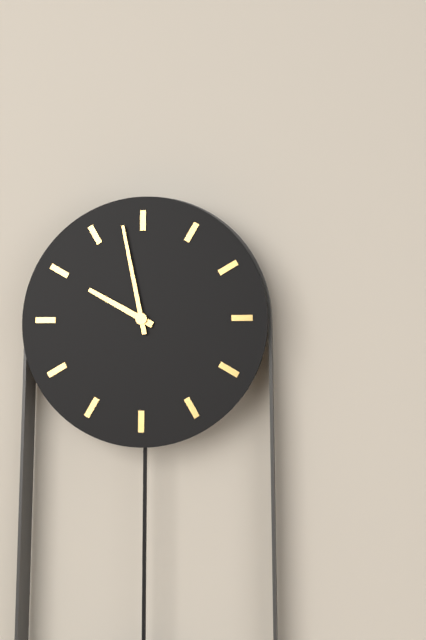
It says 9 h 58 min
